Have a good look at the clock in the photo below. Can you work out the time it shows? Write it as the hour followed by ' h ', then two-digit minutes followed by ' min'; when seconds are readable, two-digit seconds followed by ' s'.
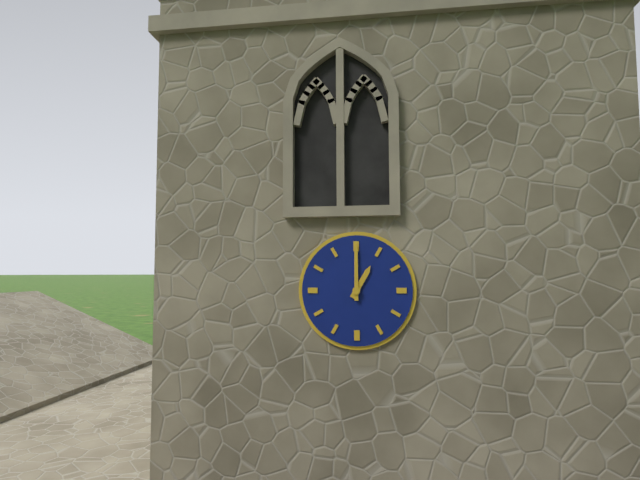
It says 1 h 00 min
